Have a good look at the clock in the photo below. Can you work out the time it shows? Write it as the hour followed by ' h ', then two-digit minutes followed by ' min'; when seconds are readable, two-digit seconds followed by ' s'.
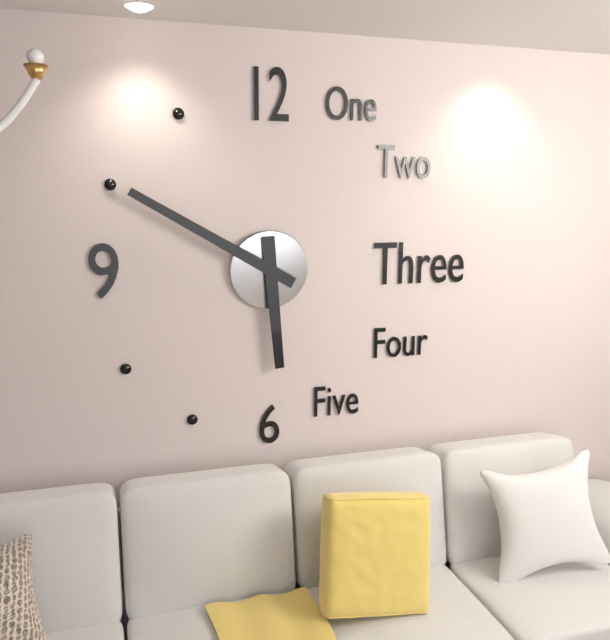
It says 5 h 50 min
